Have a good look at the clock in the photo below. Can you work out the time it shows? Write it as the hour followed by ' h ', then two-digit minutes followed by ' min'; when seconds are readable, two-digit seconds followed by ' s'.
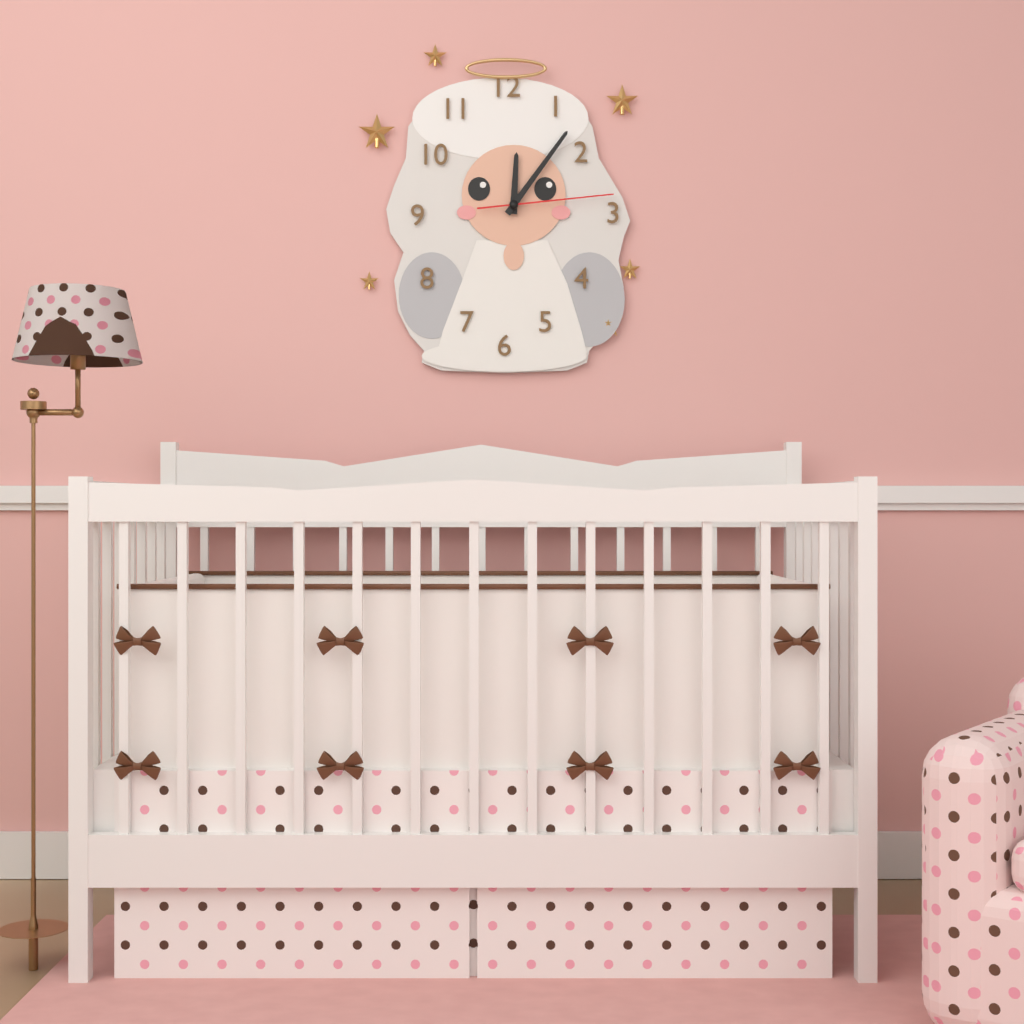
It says 12 h 06 min 14 s
